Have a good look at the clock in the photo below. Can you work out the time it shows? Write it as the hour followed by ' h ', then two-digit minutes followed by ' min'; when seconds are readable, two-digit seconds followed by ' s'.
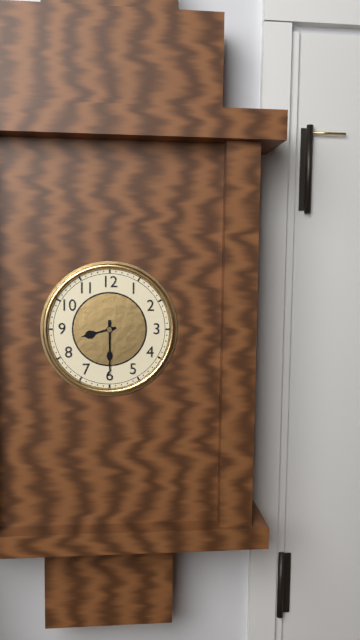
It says 8 h 30 min
